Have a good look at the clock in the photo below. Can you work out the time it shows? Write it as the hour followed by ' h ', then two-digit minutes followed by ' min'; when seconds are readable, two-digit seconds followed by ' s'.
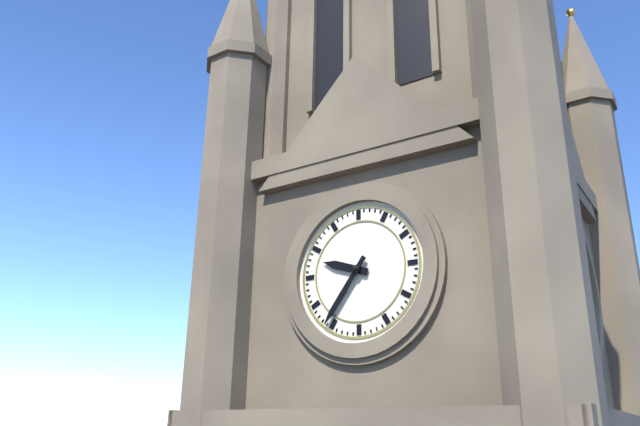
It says 9 h 36 min
